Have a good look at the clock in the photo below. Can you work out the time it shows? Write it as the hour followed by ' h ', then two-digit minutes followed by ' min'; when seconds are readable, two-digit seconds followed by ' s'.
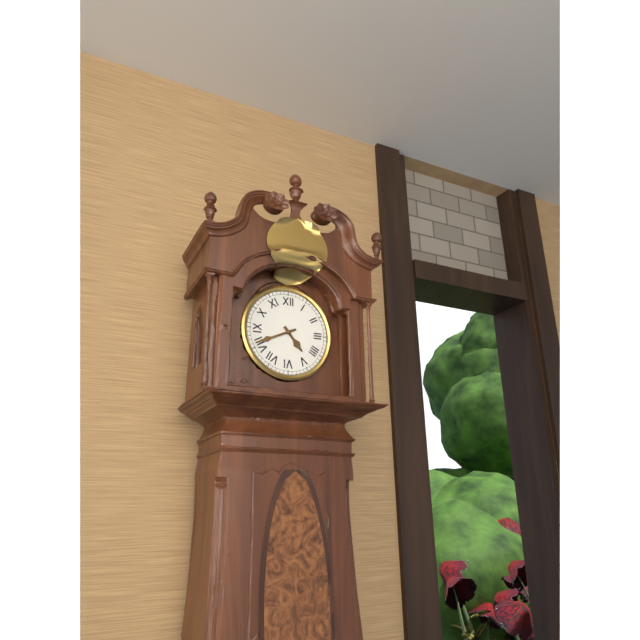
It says 4 h 41 min
